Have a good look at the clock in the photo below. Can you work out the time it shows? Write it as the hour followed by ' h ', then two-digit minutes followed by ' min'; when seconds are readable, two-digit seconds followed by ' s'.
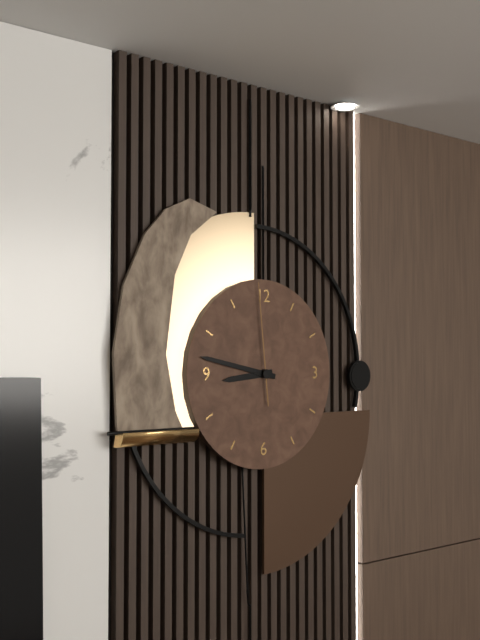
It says 8 h 47 min 59 s
